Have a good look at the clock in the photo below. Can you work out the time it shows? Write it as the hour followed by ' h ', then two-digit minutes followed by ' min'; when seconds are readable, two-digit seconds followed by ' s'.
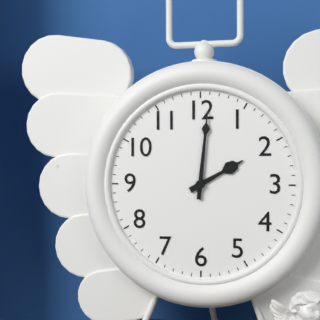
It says 2 h 01 min
